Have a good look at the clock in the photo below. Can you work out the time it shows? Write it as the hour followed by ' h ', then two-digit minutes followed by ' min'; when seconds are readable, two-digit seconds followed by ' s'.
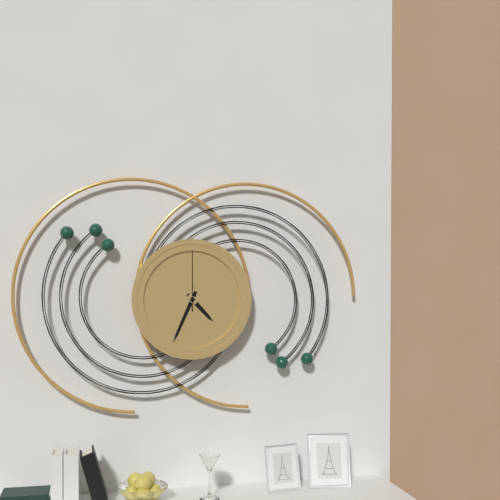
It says 4 h 34 min 00 s
